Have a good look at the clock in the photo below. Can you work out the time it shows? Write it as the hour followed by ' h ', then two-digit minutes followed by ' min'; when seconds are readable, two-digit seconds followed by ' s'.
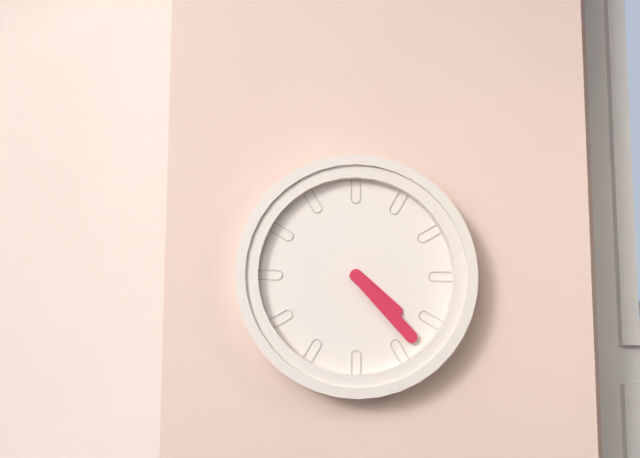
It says 4 h 23 min
